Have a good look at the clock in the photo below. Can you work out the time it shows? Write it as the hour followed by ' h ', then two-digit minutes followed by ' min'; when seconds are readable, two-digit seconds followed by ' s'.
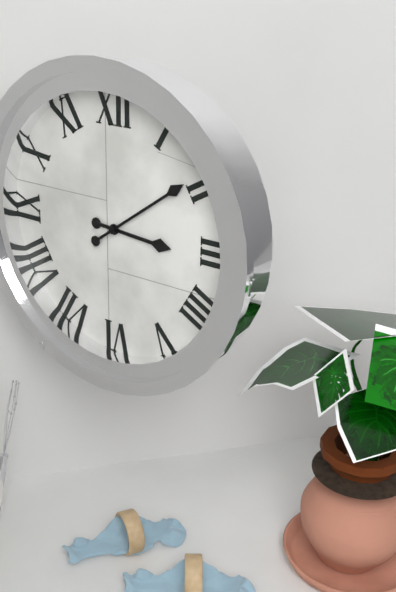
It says 3 h 09 min
